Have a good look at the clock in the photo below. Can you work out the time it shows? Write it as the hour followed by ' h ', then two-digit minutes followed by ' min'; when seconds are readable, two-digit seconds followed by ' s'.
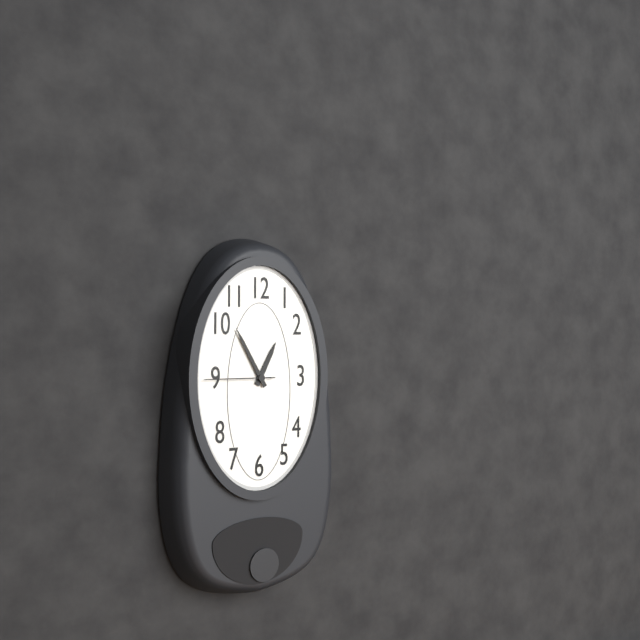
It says 12 h 55 min 45 s
